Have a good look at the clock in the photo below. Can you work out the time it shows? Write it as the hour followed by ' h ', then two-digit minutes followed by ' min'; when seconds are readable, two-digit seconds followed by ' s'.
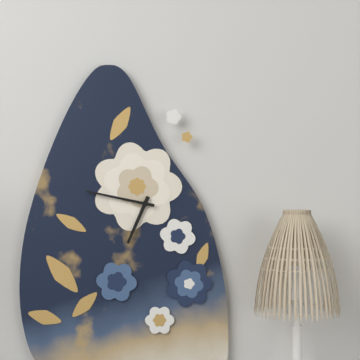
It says 6 h 47 min
